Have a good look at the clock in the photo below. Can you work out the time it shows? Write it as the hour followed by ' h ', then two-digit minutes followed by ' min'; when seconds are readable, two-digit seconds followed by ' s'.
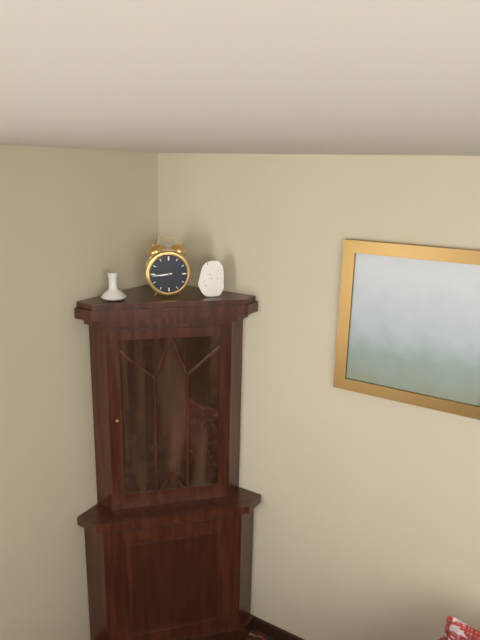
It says 8 h 44 min
